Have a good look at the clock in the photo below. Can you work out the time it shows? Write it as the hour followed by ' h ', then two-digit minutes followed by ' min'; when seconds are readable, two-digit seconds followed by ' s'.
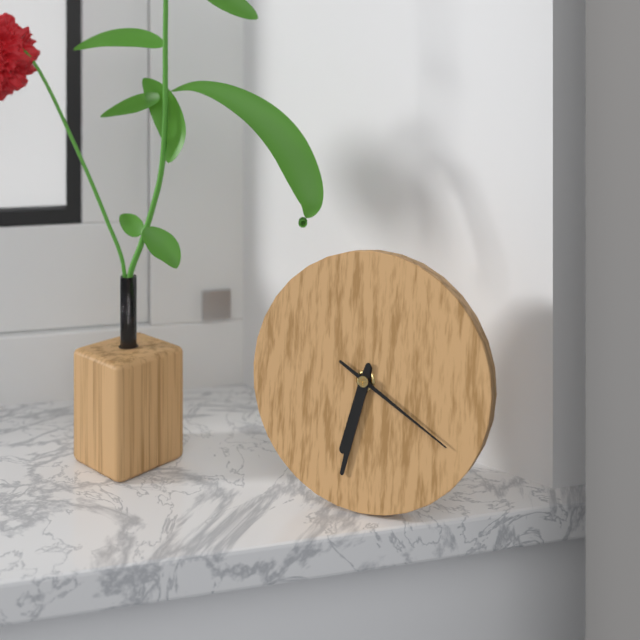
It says 6 h 32 min 20 s
